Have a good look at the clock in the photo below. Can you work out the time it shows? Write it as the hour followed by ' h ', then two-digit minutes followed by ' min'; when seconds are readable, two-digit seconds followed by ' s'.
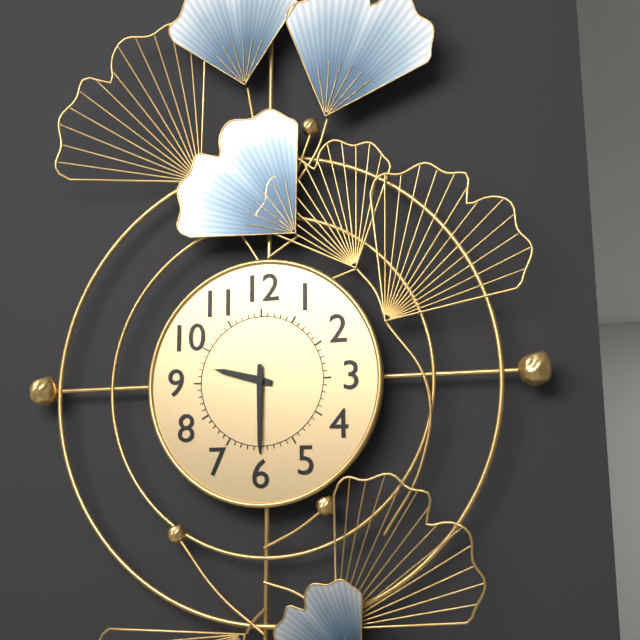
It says 9 h 30 min
